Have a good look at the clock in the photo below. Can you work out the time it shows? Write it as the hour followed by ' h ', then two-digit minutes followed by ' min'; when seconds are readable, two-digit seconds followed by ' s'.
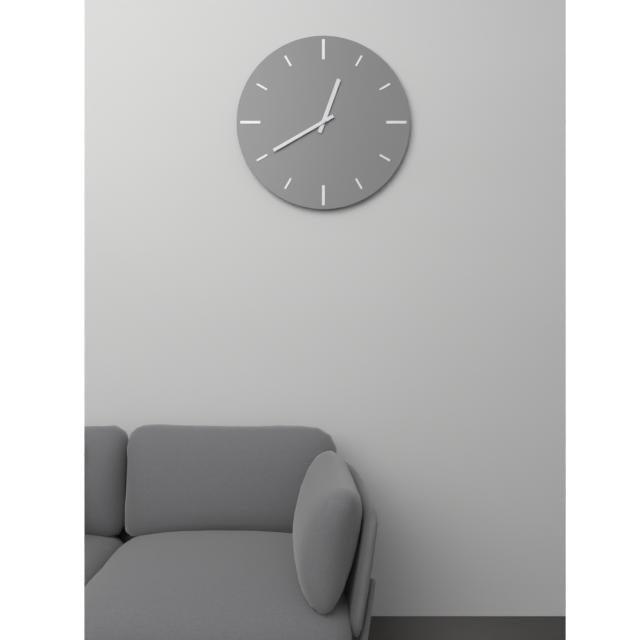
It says 12 h 40 min
